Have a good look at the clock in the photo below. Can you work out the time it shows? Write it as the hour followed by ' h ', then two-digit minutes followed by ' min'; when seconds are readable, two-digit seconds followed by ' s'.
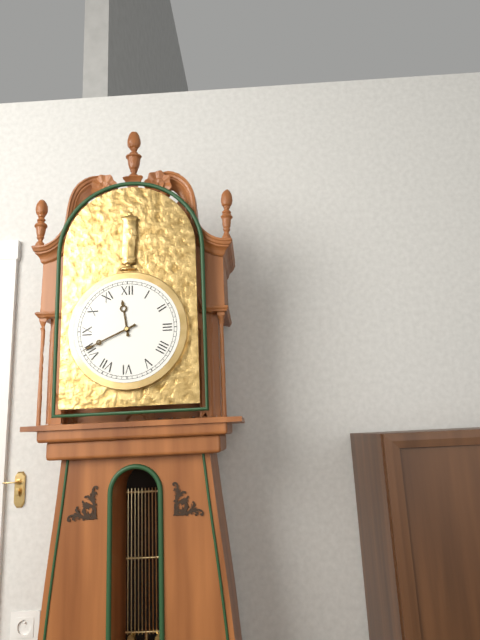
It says 11 h 41 min
